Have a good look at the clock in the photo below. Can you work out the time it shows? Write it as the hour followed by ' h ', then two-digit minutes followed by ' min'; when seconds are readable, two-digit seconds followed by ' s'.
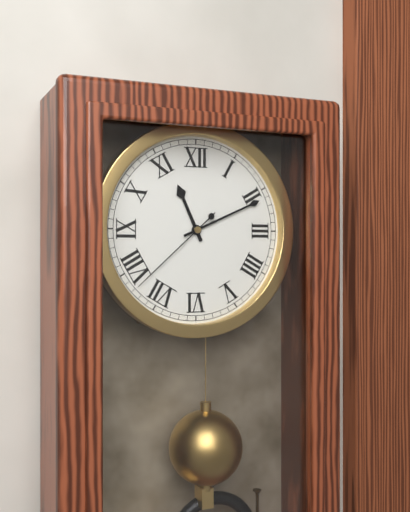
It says 11 h 11 min 38 s
